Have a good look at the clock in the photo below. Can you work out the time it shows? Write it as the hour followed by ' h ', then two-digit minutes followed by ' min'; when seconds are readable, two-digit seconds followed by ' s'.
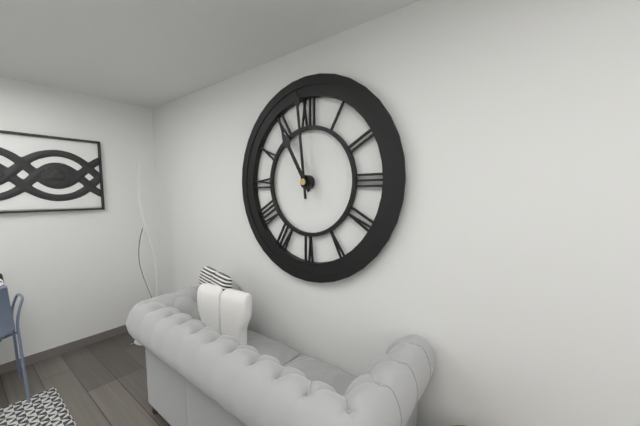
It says 10 h 59 min
